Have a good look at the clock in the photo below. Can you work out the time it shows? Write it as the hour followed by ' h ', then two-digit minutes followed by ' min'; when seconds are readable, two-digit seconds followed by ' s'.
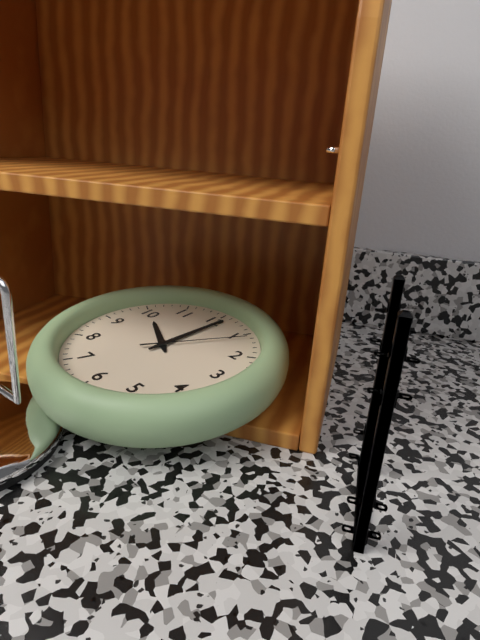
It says 10 h 01 min 06 s
